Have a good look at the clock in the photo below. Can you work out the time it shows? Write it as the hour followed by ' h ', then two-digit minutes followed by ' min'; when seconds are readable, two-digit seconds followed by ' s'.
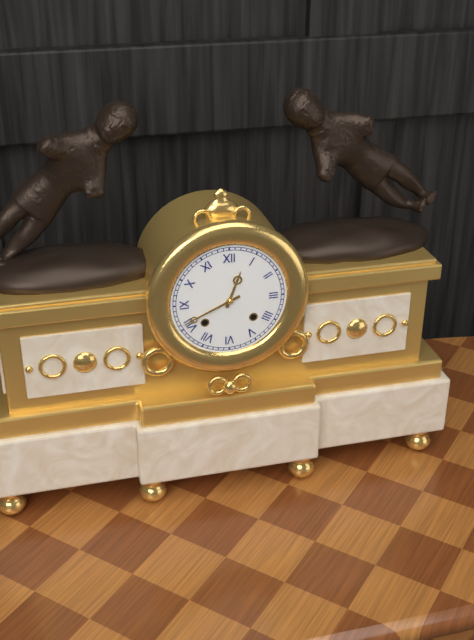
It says 12 h 41 min
